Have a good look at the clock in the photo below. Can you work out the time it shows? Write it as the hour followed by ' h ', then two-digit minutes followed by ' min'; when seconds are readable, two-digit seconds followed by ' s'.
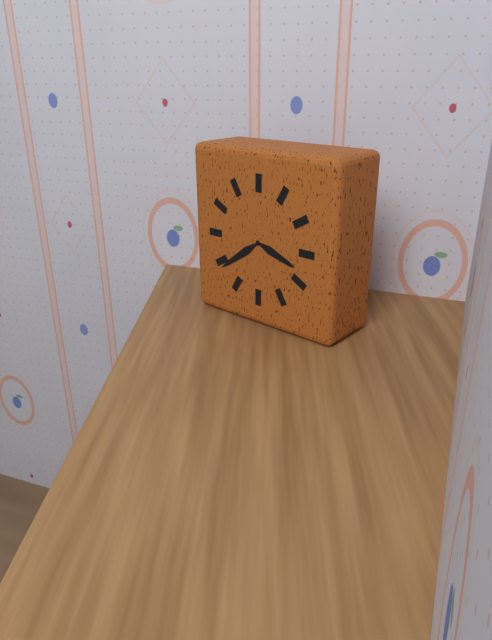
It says 3 h 39 min
